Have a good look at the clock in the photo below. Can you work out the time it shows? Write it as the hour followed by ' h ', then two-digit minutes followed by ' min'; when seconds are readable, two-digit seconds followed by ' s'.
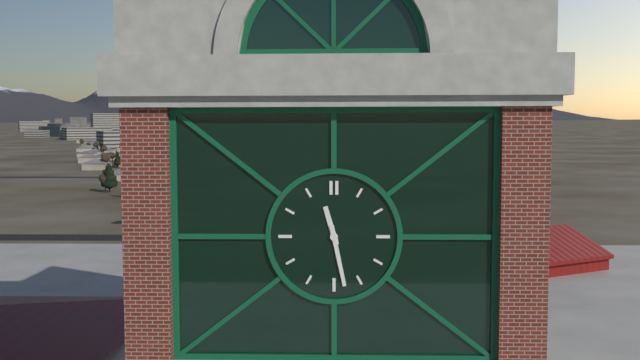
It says 11 h 28 min
